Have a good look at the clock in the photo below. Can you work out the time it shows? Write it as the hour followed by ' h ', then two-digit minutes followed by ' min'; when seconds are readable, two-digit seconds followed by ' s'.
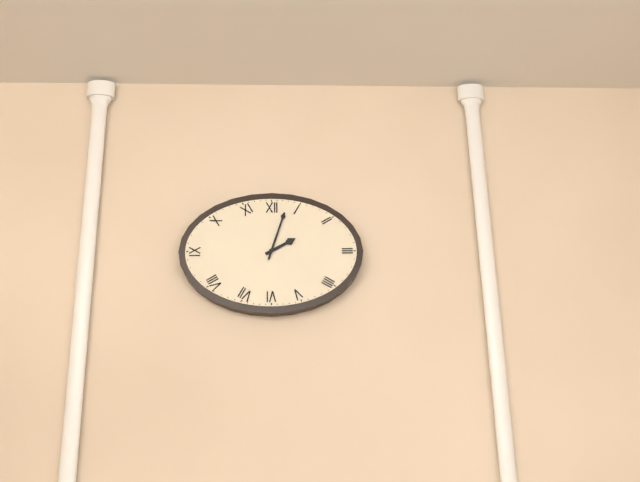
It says 2 h 03 min
